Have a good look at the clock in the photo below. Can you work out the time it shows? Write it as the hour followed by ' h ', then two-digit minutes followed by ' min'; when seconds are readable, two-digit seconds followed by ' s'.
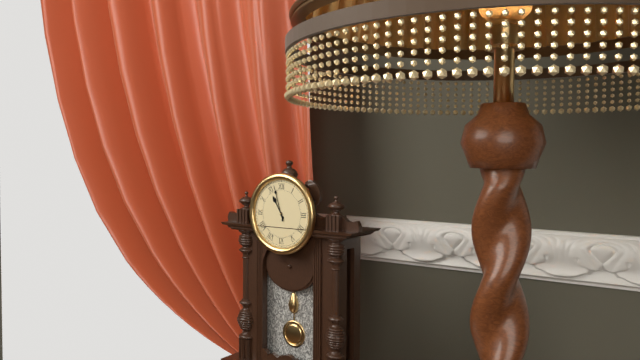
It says 10 h 57 min
